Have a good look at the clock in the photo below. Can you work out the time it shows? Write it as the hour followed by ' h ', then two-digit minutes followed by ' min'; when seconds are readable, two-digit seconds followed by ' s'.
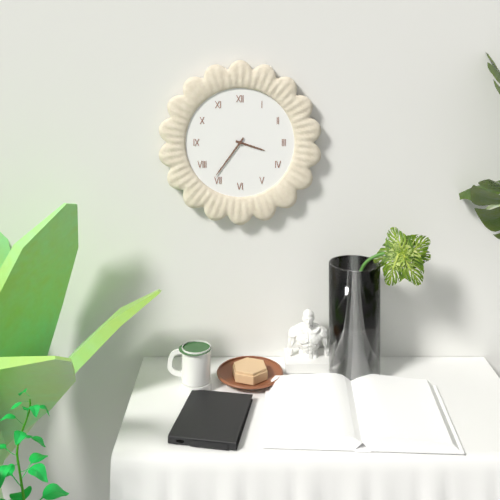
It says 3 h 36 min
